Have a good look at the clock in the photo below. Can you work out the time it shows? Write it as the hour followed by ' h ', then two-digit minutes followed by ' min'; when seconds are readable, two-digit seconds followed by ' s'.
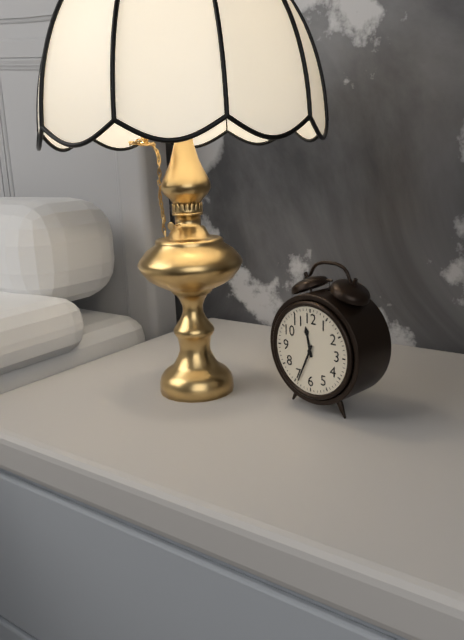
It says 11 h 34 min
